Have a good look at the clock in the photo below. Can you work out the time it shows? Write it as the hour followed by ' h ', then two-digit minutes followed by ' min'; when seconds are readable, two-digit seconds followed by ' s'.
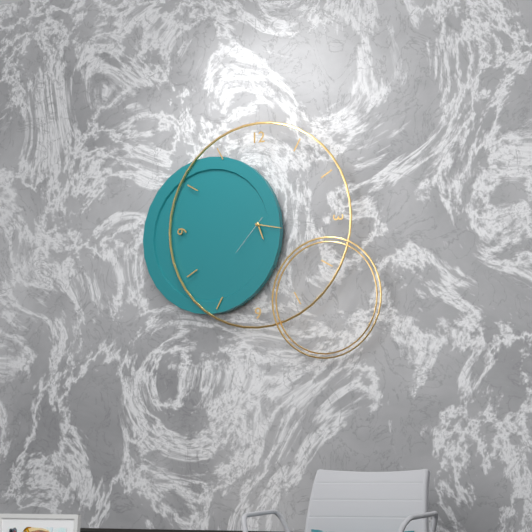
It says 5 h 17 min
